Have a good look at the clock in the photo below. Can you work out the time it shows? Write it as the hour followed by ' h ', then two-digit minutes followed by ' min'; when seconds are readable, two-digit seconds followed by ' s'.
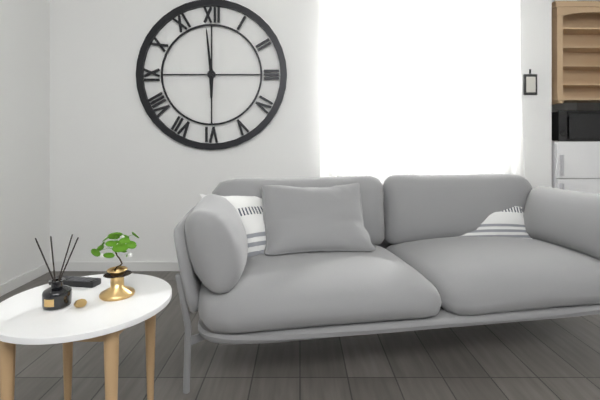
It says 5 h 59 min
